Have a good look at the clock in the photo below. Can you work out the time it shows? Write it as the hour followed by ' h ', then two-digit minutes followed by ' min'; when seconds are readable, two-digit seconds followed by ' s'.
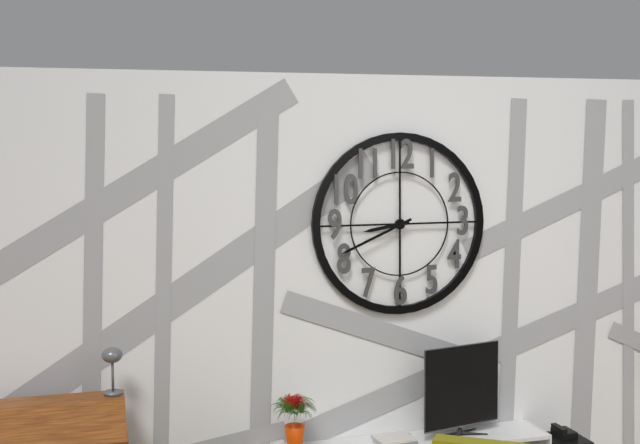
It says 8 h 41 min
